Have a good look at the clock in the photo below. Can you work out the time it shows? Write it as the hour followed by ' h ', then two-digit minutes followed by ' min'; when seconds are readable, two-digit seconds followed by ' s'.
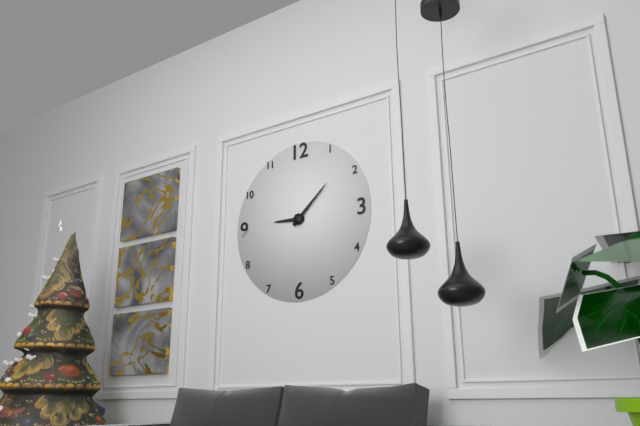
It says 9 h 08 min
